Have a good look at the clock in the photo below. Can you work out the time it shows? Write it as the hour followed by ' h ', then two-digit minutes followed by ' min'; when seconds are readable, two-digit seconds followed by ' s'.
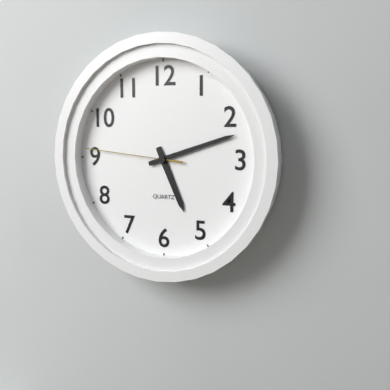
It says 5 h 12 min 46 s
